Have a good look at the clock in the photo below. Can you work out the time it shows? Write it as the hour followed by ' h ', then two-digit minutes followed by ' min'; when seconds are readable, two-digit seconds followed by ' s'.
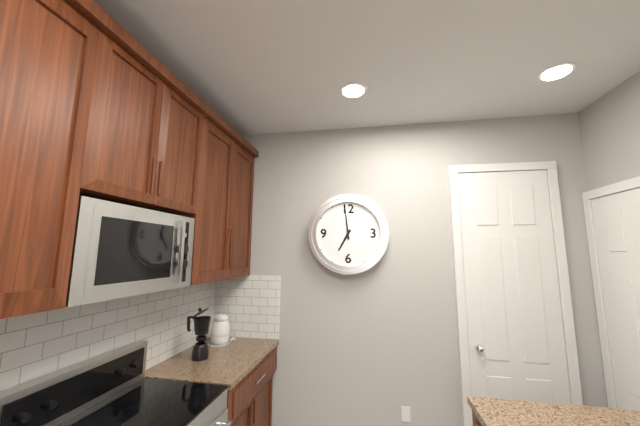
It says 6 h 59 min
